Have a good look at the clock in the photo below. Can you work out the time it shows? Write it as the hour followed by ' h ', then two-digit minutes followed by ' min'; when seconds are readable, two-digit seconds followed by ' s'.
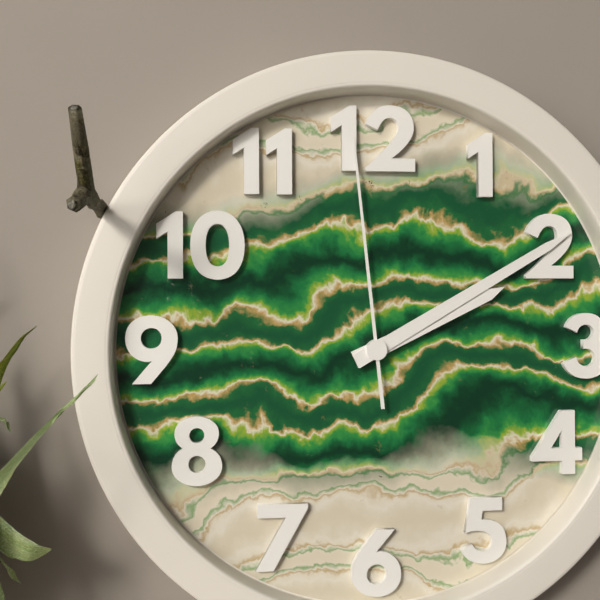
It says 2 h 10 min 59 s
